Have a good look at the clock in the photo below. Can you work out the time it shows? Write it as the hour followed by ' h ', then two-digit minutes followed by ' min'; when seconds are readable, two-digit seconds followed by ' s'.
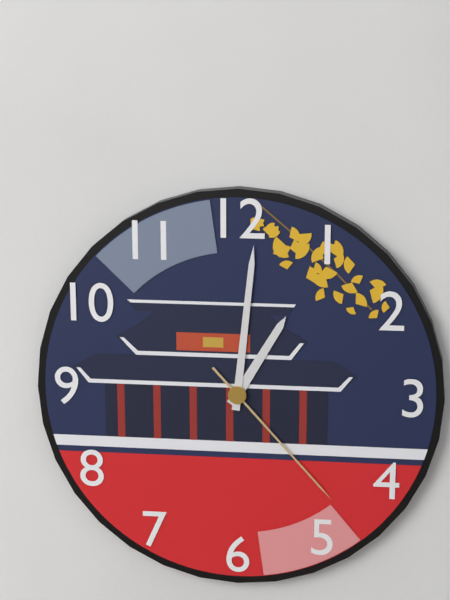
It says 1 h 01 min 23 s
